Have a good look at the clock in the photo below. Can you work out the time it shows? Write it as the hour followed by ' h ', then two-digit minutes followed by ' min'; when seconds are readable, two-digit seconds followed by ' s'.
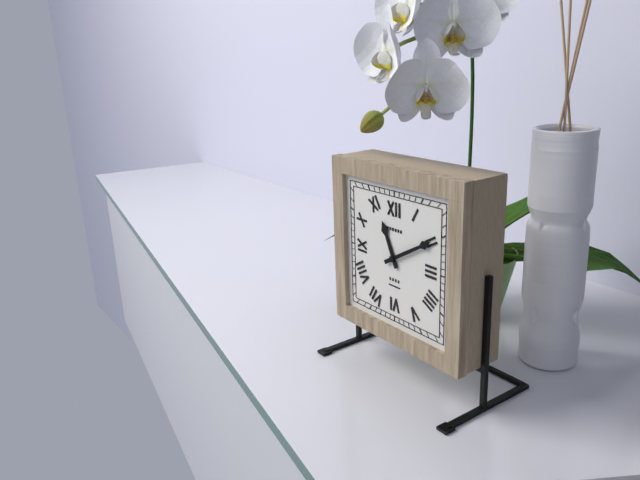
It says 11 h 10 min
